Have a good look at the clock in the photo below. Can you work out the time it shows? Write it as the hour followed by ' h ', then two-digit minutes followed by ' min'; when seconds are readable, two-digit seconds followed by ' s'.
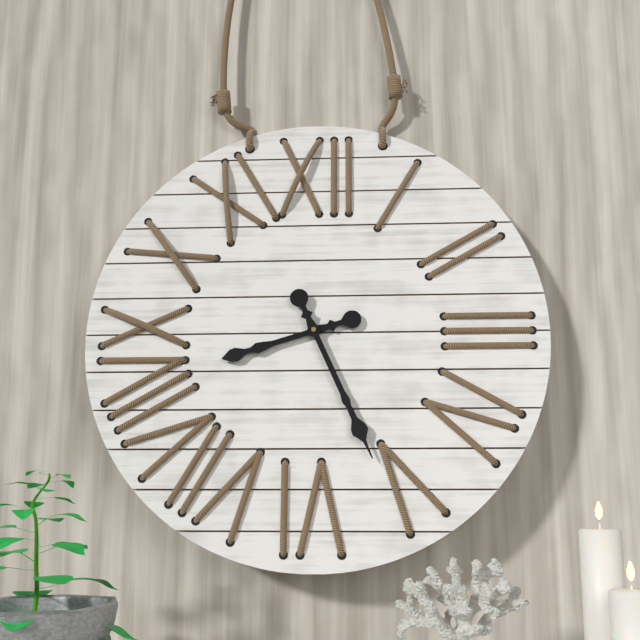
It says 8 h 26 min
